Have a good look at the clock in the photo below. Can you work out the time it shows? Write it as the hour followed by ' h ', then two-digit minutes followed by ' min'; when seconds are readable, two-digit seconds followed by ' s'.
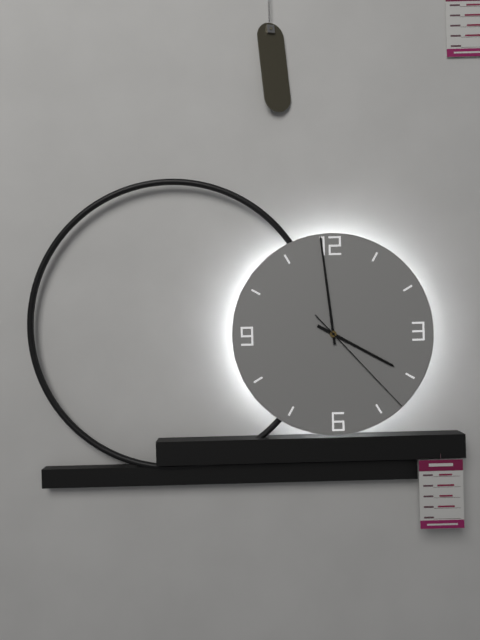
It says 3 h 59 min 23 s
